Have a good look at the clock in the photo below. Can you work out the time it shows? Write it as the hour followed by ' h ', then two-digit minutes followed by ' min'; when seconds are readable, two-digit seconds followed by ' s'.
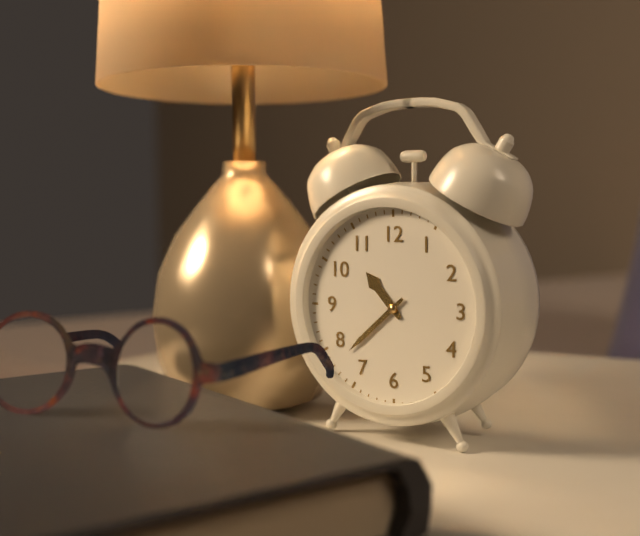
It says 10 h 38 min
